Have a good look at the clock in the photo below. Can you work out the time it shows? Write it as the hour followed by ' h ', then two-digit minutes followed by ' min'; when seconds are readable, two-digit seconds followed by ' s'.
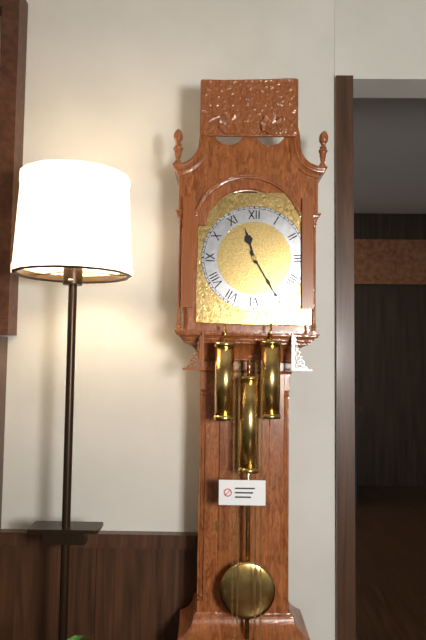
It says 11 h 25 min
